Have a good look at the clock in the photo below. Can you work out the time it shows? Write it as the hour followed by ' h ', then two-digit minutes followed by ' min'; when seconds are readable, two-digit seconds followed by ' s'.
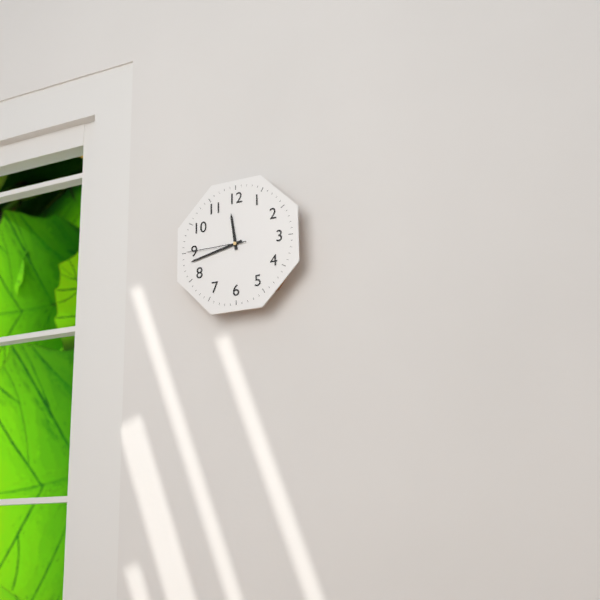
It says 11 h 43 min 45 s
